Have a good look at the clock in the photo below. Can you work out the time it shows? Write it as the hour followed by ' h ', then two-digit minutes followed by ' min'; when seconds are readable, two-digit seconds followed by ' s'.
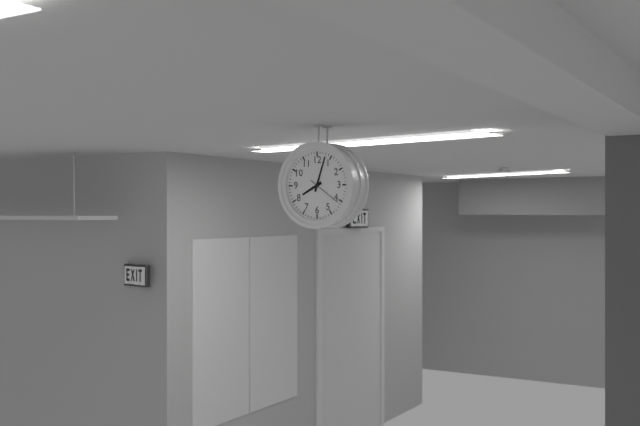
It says 8 h 03 min
